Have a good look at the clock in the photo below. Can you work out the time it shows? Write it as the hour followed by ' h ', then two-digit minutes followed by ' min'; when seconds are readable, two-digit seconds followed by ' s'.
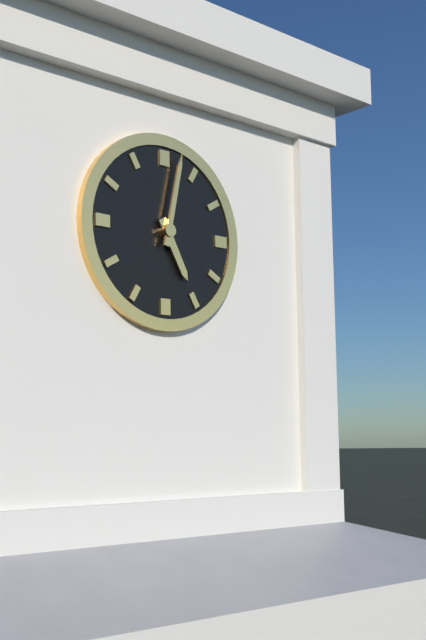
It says 5 h 02 min
